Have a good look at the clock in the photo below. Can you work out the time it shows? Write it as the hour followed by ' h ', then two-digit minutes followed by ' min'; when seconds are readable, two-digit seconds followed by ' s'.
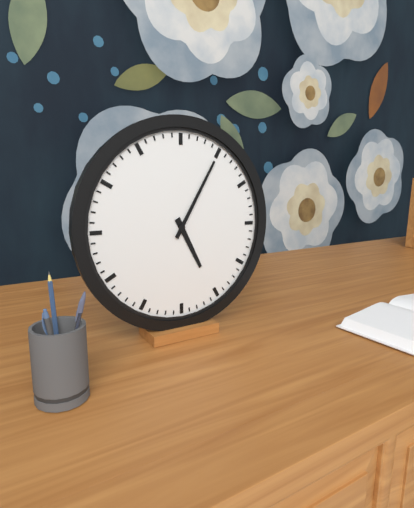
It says 5 h 05 min
